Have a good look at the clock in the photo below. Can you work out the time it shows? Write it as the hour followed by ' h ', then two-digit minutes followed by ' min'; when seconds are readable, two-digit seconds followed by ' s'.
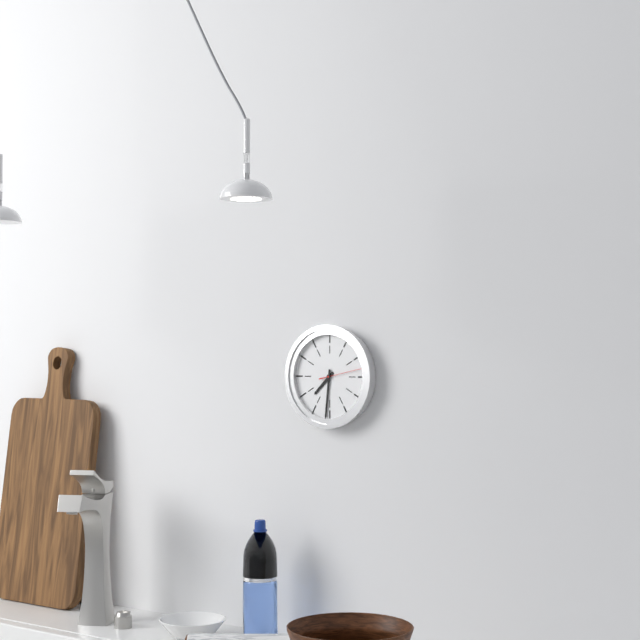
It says 7 h 31 min
